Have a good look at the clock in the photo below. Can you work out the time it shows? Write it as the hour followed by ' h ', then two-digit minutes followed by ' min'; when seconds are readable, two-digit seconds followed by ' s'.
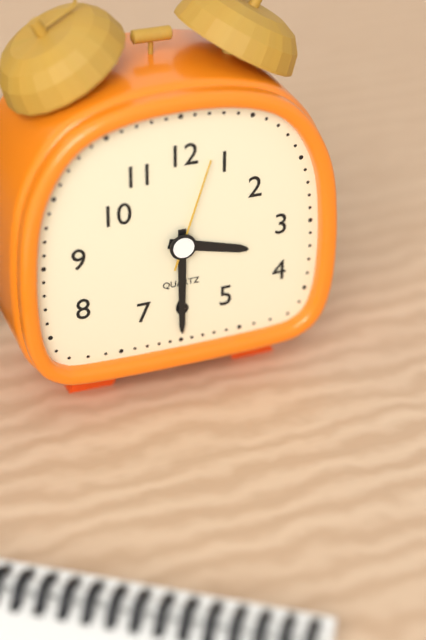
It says 3 h 30 min 03 s
